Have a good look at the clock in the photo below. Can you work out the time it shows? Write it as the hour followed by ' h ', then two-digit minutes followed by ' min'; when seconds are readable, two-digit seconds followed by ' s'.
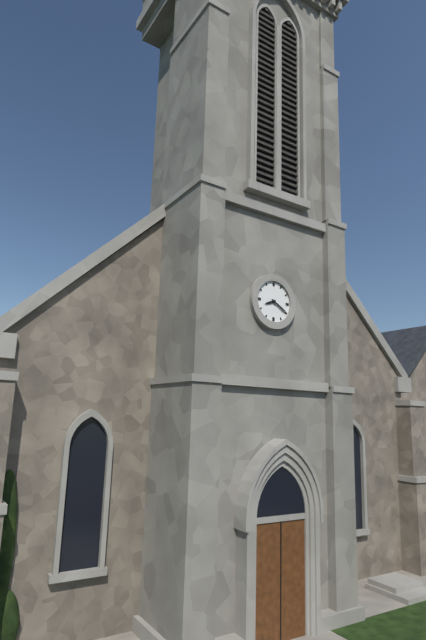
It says 8 h 20 min
